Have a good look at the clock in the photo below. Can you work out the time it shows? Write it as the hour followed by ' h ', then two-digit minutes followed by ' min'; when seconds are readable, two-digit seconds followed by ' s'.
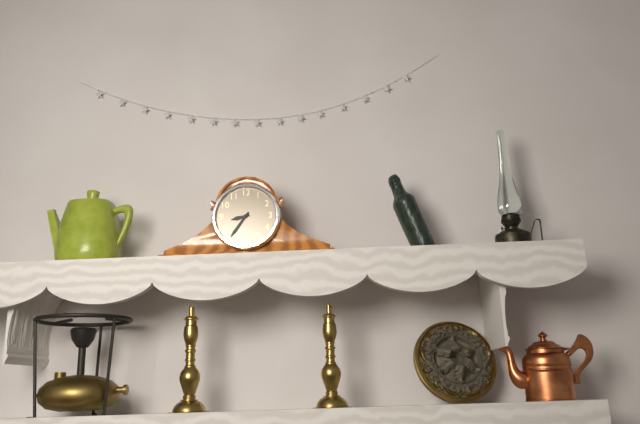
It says 8 h 36 min
